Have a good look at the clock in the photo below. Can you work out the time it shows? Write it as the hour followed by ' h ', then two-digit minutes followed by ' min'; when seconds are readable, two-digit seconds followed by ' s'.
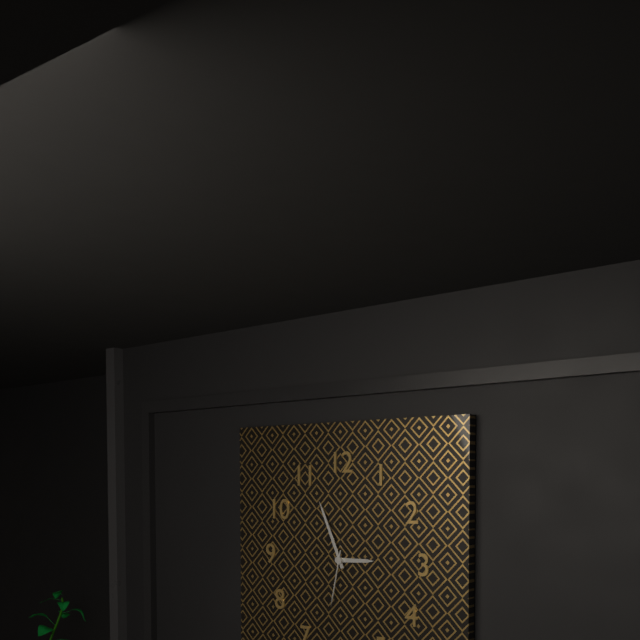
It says 2 h 56 min 32 s
